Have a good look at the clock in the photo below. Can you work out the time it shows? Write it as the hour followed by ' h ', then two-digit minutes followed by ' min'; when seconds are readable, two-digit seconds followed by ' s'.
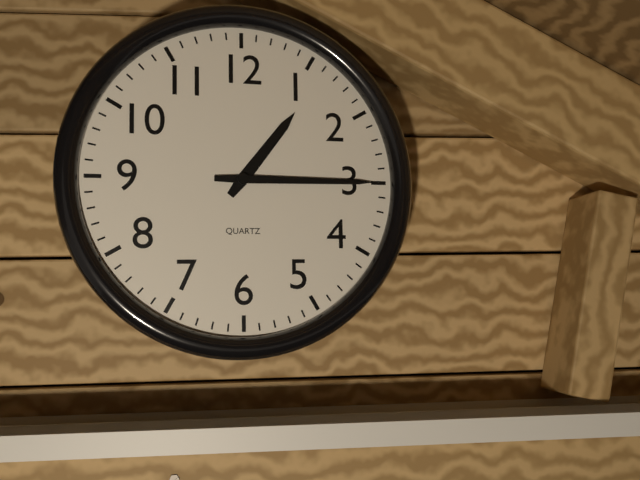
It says 1 h 15 min
